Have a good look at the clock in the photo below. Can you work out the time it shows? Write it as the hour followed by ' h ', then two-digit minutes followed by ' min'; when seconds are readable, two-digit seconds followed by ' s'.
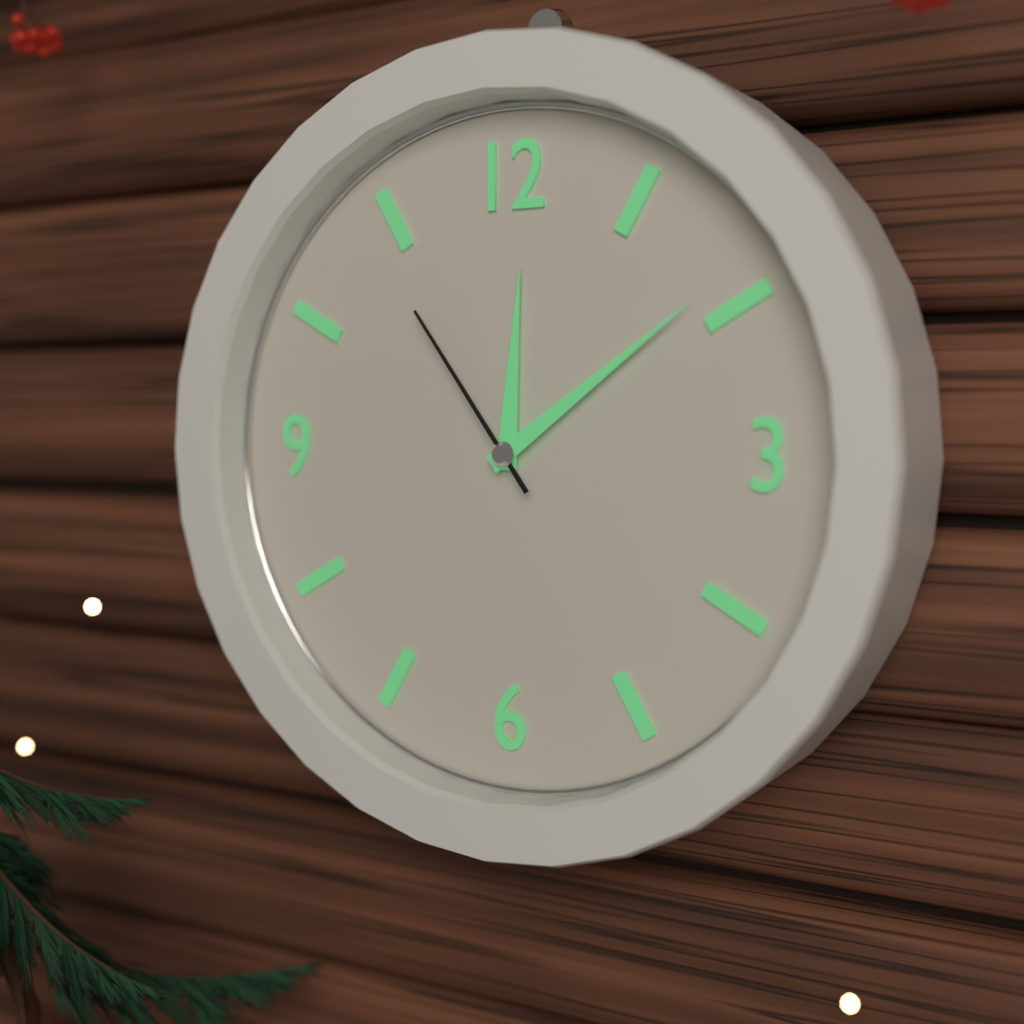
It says 12 h 09 min 54 s
